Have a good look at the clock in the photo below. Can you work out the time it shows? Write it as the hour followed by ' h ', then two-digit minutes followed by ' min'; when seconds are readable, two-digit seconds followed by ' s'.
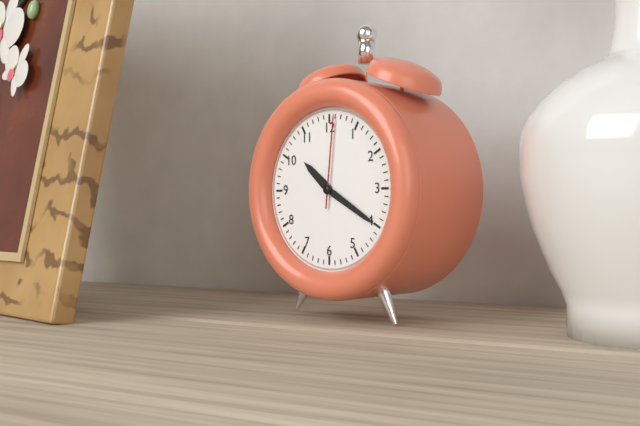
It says 10 h 20 min 01 s
